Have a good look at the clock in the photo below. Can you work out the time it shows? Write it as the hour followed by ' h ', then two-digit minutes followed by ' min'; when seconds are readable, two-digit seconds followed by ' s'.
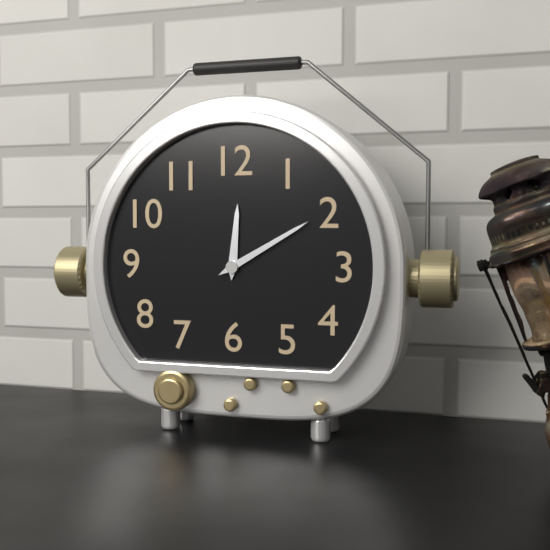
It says 12 h 10 min
